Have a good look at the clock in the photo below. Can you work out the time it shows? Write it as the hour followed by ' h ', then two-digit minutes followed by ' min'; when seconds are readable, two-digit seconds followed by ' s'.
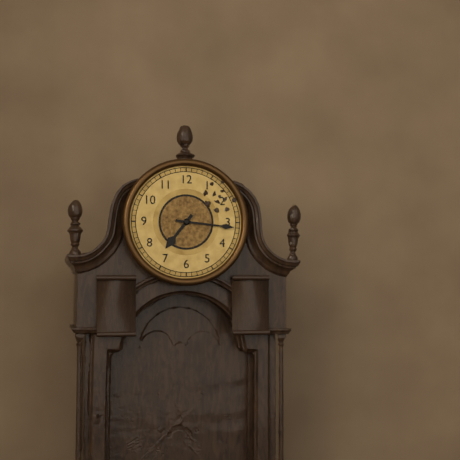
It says 7 h 16 min
